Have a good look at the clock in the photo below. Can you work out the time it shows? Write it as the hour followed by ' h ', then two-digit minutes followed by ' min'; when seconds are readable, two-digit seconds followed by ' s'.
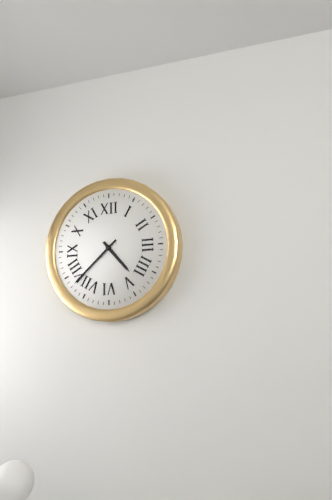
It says 4 h 38 min
